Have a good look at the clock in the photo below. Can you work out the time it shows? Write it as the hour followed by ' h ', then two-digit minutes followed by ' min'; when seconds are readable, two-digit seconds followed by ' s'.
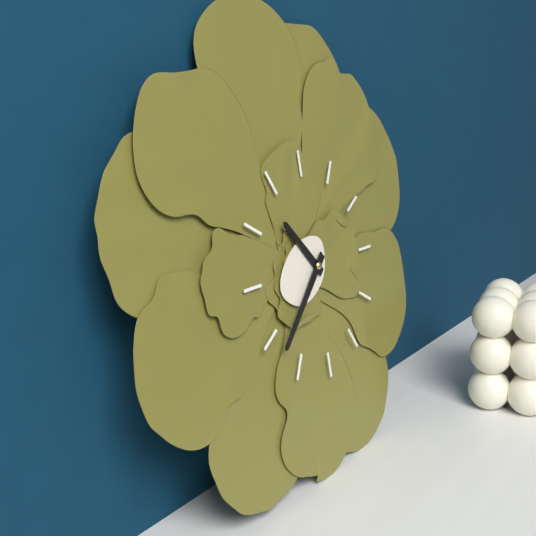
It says 10 h 38 min
